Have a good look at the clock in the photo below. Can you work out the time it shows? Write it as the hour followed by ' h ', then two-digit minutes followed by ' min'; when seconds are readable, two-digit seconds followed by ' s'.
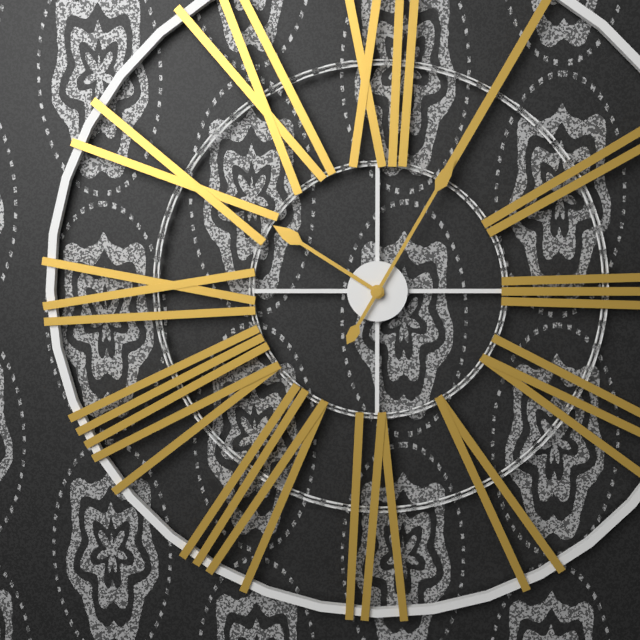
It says 10 h 05 min
